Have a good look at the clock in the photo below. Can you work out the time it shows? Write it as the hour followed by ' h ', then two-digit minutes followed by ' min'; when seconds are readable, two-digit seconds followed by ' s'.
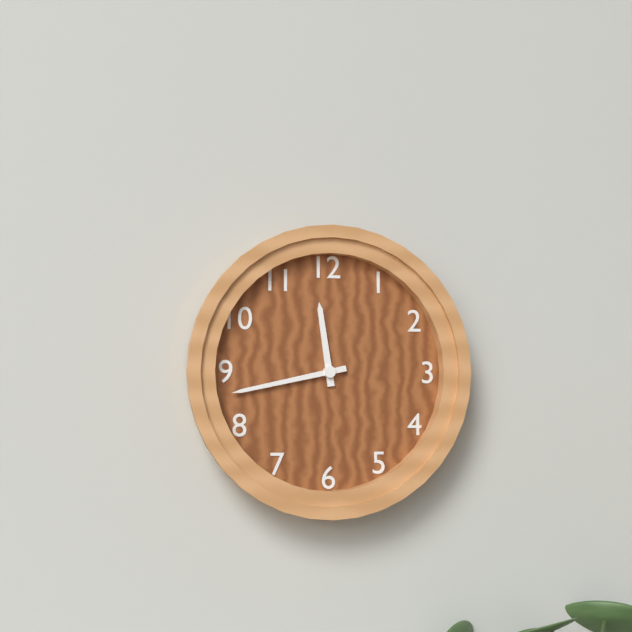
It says 11 h 43 min
